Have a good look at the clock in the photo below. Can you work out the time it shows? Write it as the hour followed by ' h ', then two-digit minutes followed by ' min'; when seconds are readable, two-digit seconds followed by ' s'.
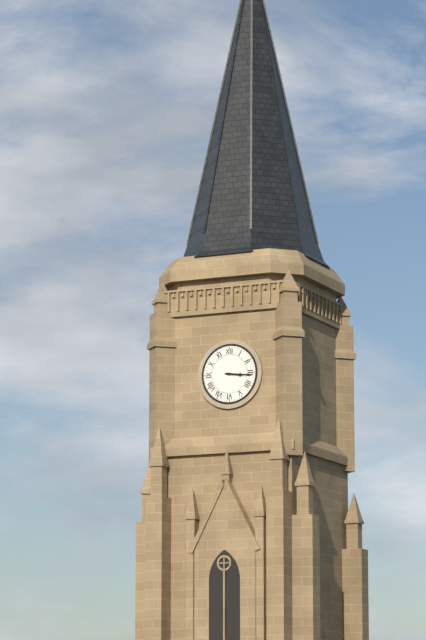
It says 3 h 16 min
